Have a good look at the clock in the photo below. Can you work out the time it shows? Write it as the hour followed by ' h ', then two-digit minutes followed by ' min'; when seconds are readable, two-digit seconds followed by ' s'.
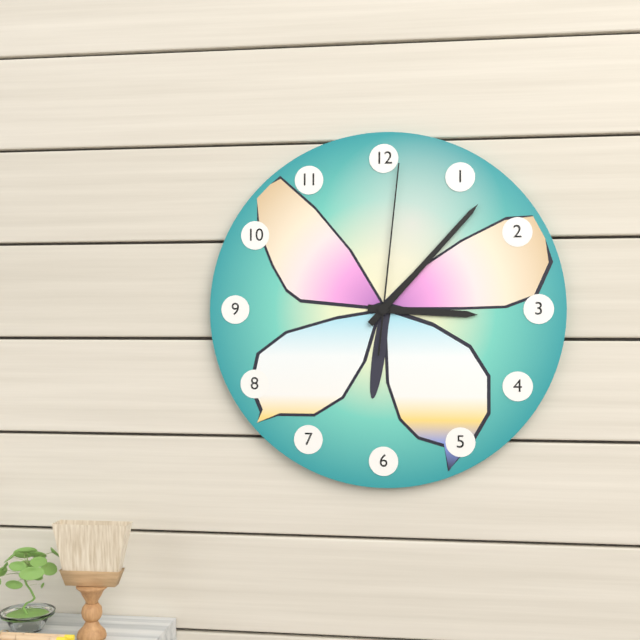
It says 3 h 07 min 01 s
